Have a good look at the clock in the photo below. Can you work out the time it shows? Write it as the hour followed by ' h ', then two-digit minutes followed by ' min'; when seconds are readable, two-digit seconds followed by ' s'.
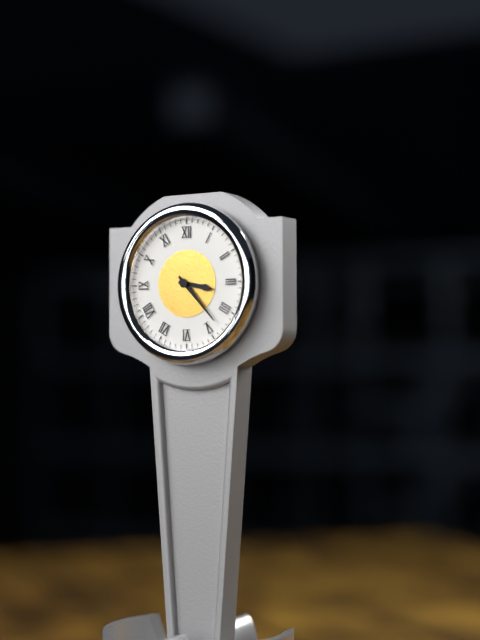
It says 3 h 23 min
